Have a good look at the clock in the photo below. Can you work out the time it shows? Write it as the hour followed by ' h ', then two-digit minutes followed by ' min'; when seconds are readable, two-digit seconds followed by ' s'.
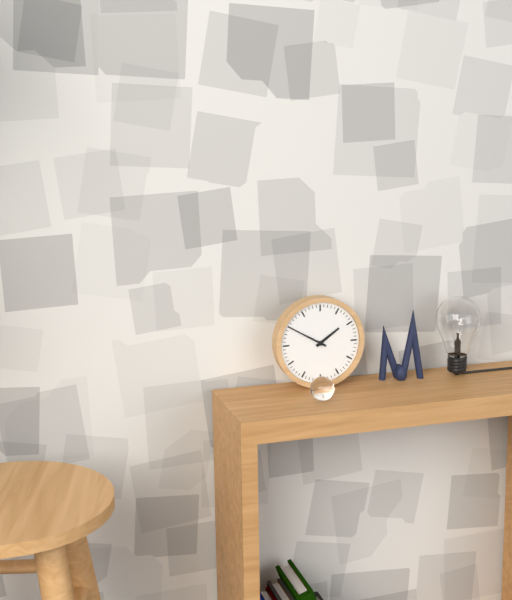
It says 1 h 50 min
